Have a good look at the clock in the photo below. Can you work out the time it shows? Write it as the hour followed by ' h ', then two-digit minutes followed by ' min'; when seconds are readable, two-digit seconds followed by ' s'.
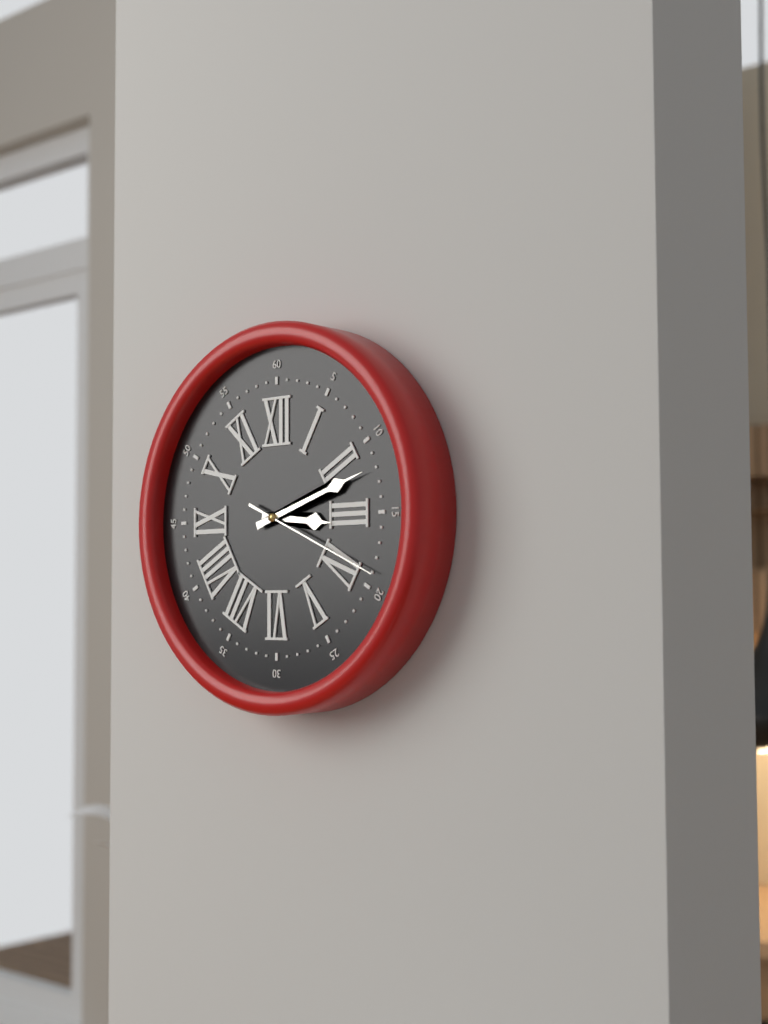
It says 3 h 12 min 19 s
